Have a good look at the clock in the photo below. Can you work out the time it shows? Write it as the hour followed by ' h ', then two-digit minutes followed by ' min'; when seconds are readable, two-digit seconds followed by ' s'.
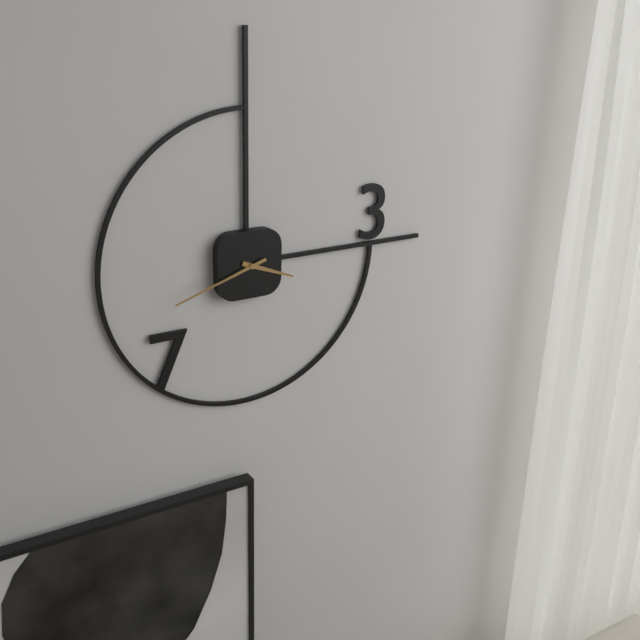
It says 3 h 42 min
